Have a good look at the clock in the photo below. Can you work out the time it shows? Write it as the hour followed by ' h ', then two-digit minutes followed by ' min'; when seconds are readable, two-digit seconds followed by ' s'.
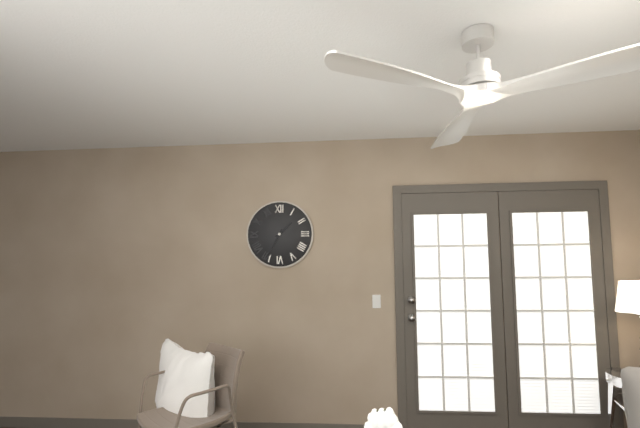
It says 1 h 35 min
